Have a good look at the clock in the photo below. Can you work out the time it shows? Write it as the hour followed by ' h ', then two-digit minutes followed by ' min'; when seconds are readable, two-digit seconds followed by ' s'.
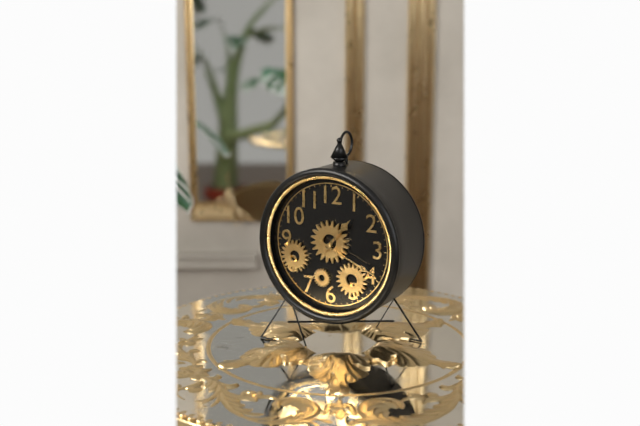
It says 1 h 19 min
